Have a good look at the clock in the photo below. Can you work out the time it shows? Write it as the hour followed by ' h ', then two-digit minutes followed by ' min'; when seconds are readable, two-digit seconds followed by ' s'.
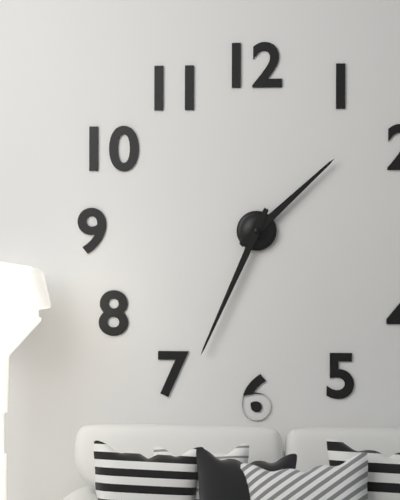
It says 1 h 34 min
